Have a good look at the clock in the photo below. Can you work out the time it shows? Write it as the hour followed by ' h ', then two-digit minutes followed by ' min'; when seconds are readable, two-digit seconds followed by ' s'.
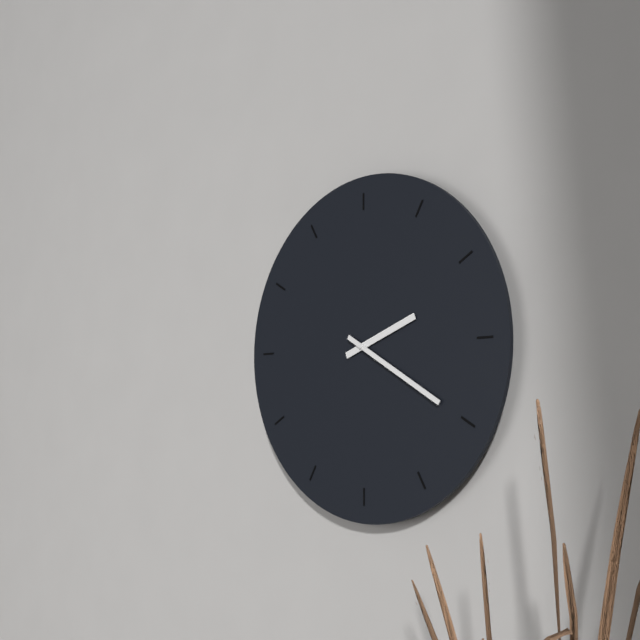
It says 2 h 20 min
